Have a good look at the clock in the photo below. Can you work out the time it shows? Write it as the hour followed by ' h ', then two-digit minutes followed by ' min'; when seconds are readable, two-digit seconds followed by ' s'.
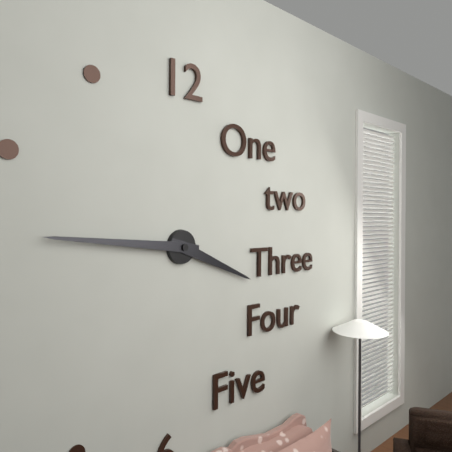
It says 3 h 46 min
